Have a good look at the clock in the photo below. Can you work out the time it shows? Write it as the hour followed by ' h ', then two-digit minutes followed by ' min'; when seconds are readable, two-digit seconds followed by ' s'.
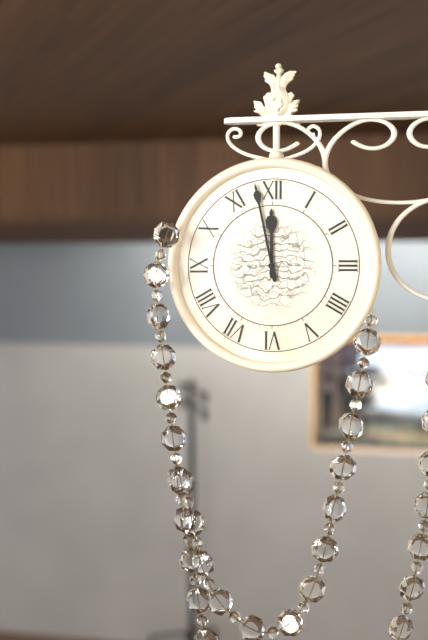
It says 11 h 58 min
